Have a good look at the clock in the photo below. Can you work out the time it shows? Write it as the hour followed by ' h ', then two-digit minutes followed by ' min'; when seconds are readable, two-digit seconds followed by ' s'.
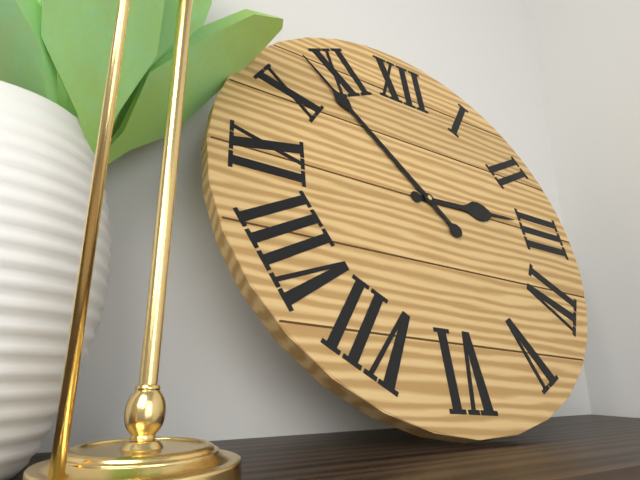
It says 2 h 53 min
